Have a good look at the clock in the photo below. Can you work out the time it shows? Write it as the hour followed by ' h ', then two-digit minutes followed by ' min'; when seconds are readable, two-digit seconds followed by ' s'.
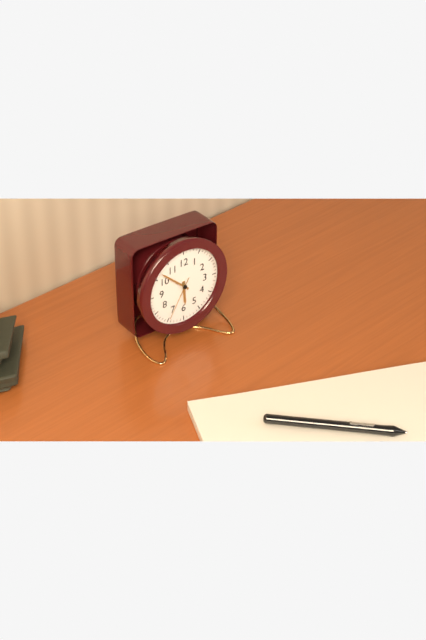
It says 5 h 52 min
